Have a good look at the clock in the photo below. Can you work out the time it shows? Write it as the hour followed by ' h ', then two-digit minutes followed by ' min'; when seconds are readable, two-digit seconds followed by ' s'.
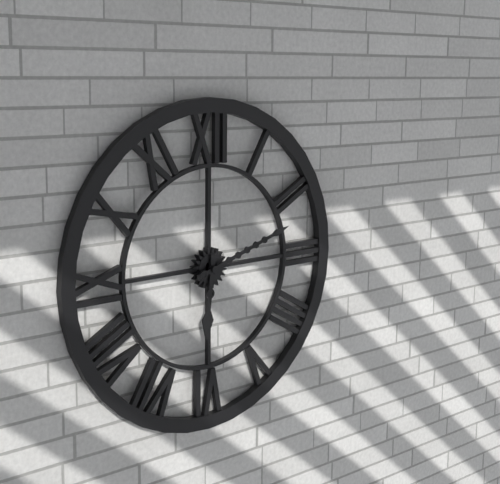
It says 6 h 12 min
